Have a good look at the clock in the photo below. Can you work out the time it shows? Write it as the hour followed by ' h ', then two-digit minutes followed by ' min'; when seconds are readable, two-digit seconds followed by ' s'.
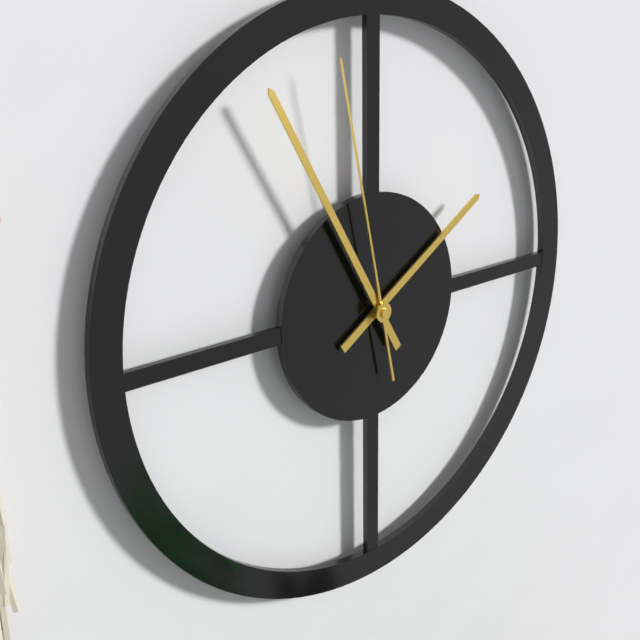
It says 1 h 55 min 58 s
